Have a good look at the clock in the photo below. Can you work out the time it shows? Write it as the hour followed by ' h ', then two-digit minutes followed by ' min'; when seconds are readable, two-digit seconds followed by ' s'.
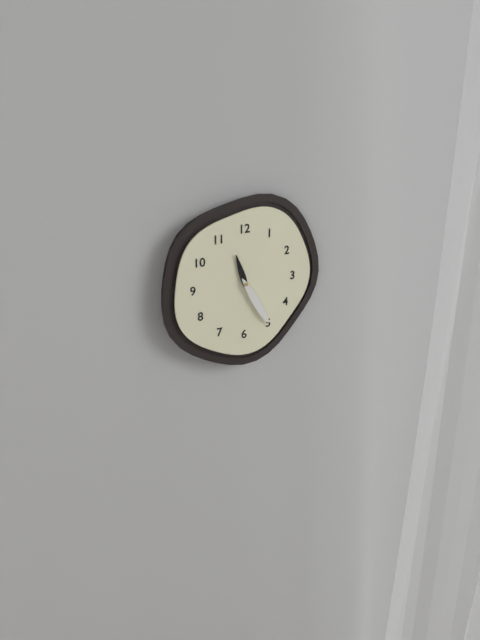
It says 11 h 25 min
